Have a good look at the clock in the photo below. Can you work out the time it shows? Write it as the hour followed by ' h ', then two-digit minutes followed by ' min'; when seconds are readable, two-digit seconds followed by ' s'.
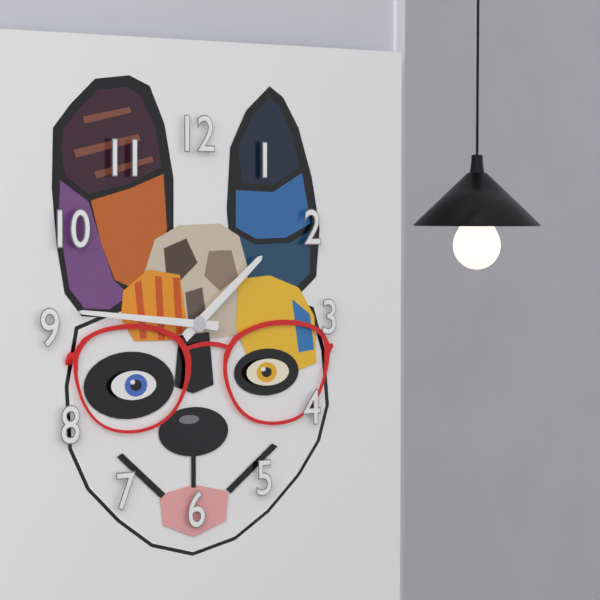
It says 1 h 46 min
